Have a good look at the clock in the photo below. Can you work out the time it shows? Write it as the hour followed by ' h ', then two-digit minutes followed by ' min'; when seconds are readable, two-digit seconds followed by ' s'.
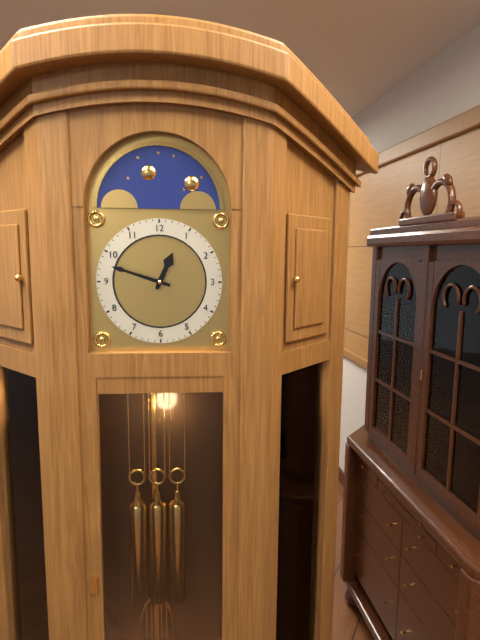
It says 12 h 48 min
